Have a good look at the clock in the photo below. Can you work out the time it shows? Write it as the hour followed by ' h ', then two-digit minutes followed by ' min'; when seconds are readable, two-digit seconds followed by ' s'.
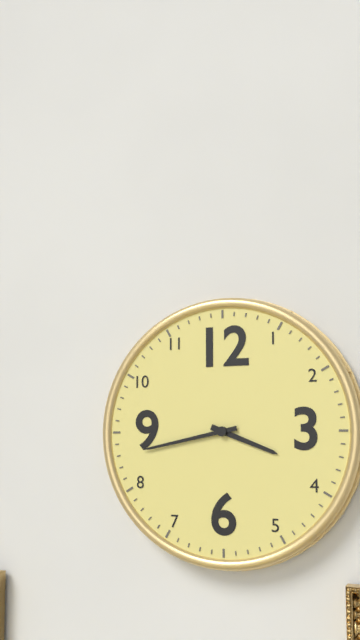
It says 3 h 43 min
